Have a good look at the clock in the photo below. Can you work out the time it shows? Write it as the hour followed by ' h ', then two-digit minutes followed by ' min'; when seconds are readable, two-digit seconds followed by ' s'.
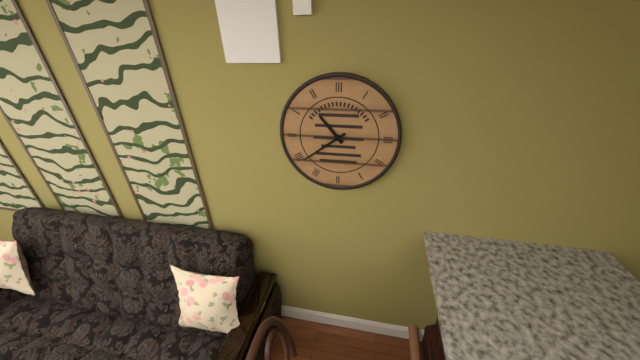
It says 10 h 39 min
